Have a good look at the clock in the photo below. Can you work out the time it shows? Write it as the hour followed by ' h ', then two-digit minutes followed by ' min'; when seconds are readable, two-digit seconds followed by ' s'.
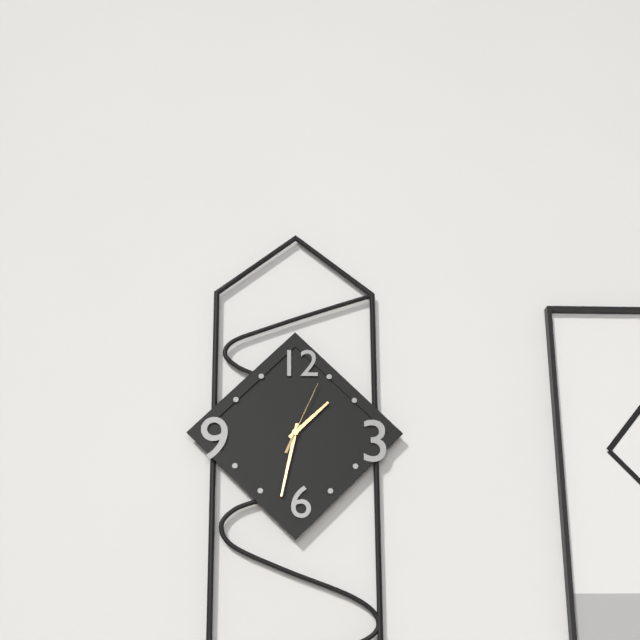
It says 1 h 32 min 04 s
